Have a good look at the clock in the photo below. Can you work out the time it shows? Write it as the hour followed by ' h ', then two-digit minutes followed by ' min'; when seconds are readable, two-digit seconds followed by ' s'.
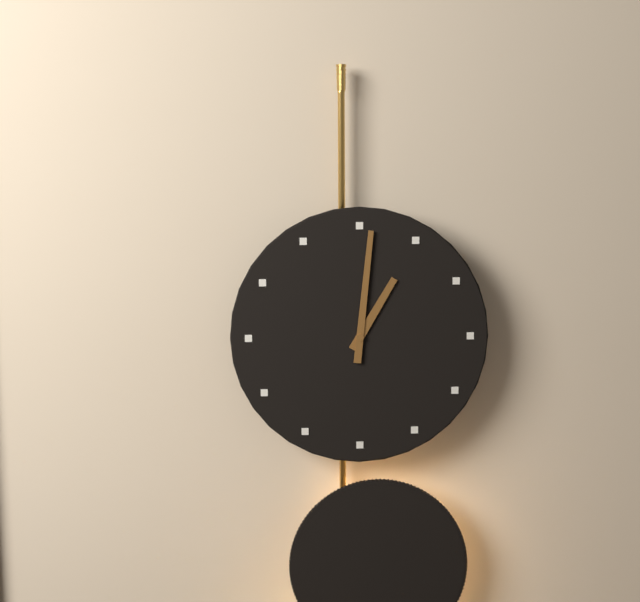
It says 1 h 01 min
